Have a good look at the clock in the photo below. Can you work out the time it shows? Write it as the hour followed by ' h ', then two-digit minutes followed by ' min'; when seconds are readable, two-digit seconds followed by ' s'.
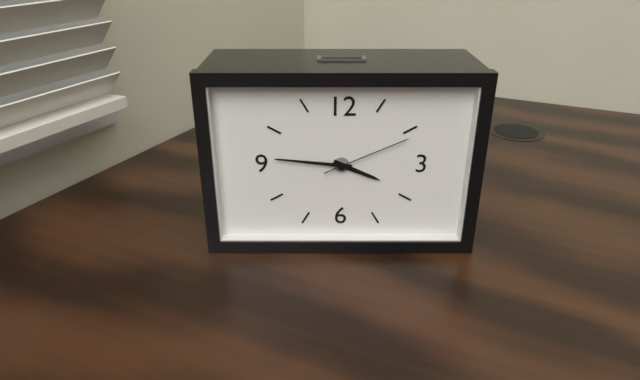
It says 3 h 46 min 11 s
